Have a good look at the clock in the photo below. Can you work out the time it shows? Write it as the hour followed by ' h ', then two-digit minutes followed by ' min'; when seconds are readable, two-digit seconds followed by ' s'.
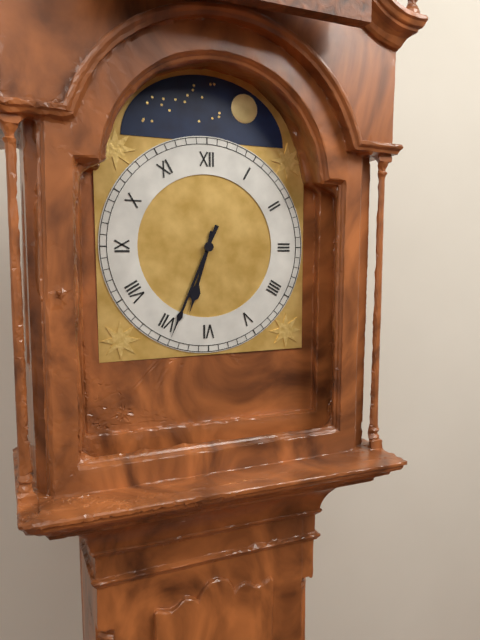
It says 6 h 34 min
